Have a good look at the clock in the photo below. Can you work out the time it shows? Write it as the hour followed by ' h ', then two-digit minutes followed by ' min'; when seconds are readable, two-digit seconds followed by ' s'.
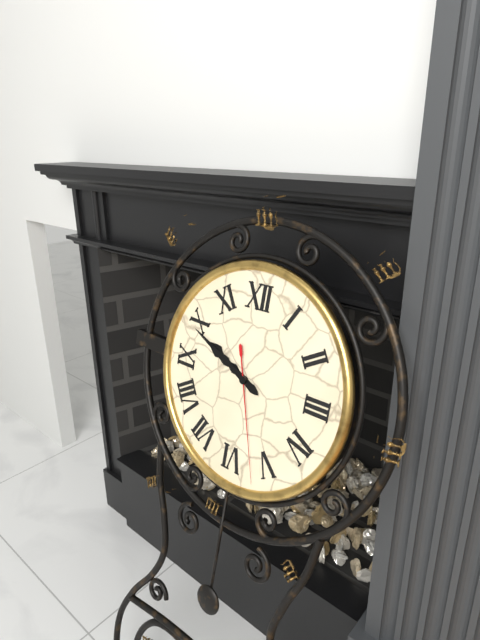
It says 9 h 49 min 27 s
